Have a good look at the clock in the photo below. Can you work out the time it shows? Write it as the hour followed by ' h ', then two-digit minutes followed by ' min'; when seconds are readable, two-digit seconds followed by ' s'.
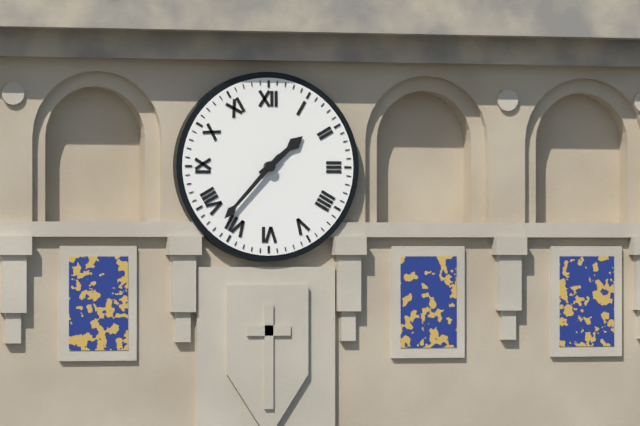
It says 1 h 37 min
